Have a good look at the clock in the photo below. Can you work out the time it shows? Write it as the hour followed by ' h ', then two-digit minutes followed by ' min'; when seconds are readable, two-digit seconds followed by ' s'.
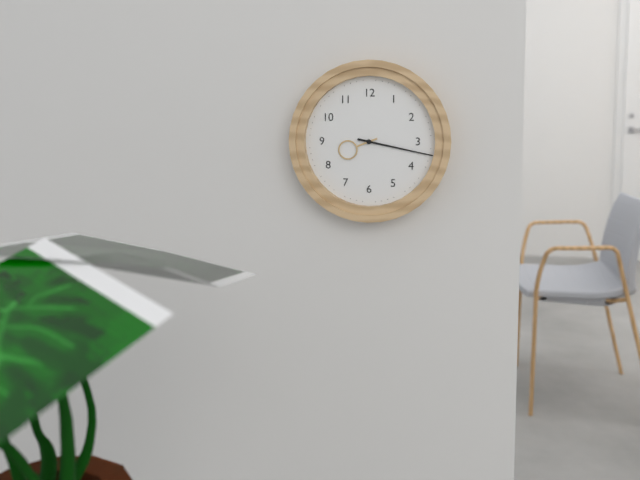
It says 8 h 17 min
